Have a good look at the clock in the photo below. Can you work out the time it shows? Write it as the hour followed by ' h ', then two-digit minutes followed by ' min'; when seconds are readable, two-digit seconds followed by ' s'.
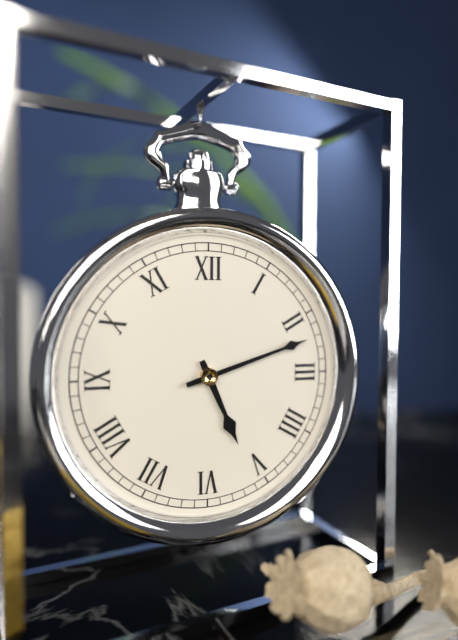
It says 5 h 12 min
